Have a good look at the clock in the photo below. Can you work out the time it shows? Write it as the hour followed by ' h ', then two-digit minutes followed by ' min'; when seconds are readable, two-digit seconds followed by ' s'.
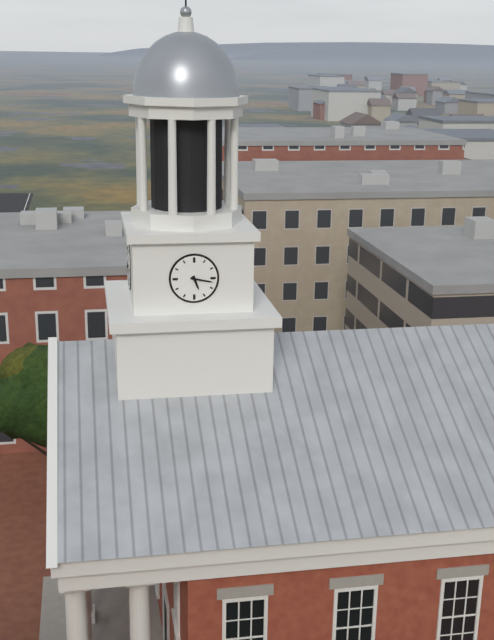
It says 5 h 17 min
